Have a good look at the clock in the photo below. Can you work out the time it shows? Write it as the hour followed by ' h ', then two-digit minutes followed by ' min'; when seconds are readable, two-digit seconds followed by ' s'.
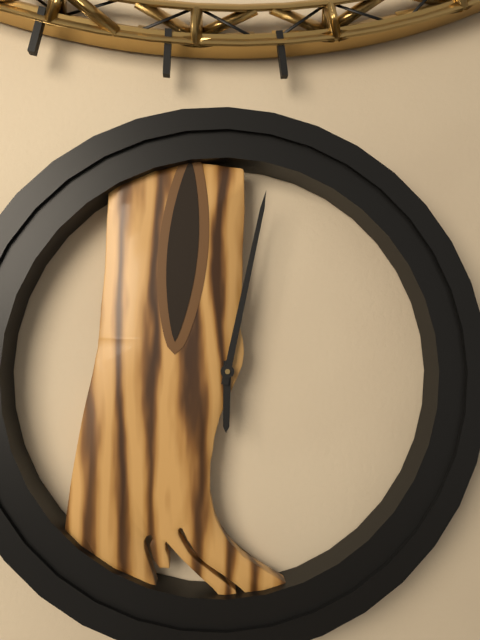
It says 6 h 02 min
